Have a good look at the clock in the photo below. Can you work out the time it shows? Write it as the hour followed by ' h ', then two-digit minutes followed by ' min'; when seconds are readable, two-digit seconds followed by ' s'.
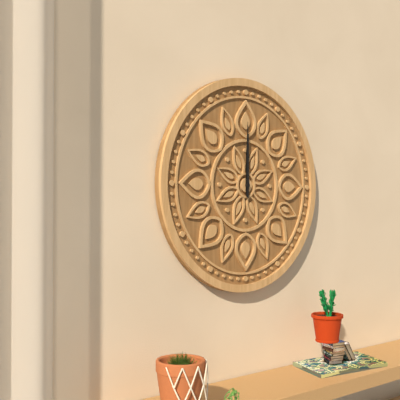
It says 12 h 00 min
